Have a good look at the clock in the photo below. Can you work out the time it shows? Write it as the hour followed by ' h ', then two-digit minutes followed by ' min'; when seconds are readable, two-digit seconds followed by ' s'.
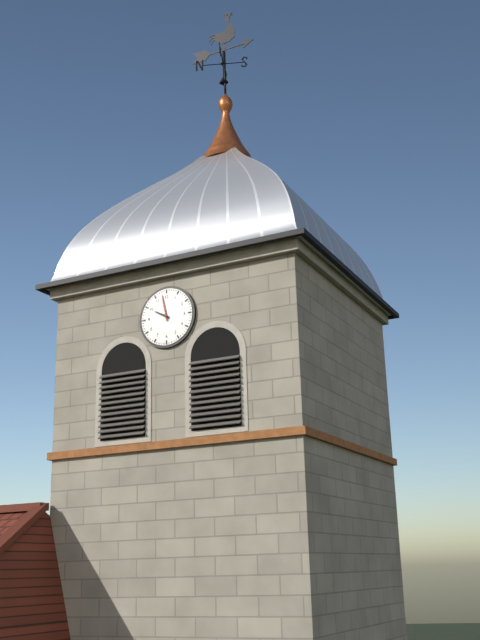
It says 9 h 58 min
